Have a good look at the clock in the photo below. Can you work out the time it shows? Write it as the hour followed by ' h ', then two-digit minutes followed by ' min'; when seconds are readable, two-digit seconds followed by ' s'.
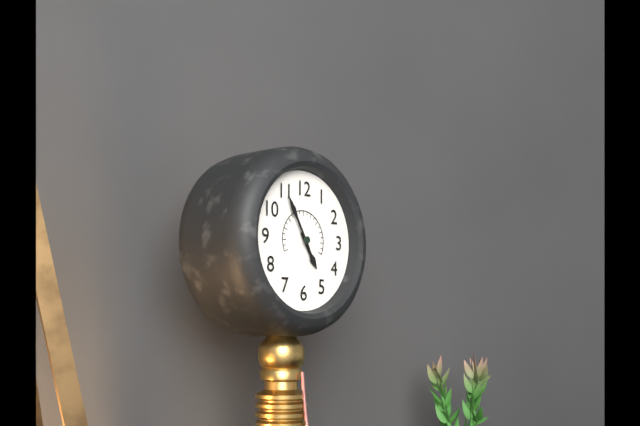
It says 4 h 55 min
